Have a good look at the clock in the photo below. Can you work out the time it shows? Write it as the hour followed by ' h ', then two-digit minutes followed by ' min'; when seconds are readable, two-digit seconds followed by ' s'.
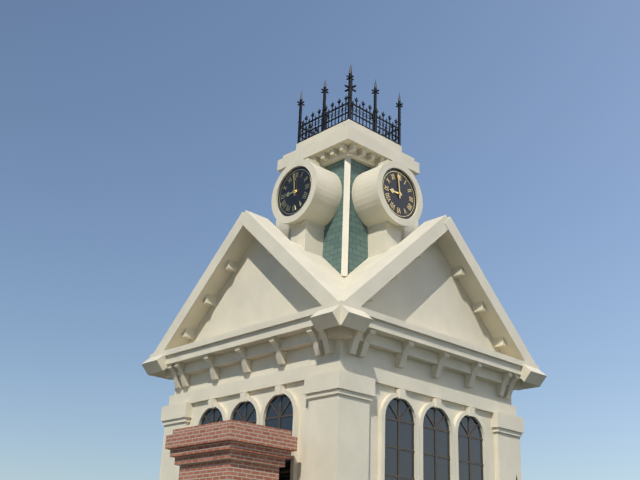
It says 8 h 59 min
